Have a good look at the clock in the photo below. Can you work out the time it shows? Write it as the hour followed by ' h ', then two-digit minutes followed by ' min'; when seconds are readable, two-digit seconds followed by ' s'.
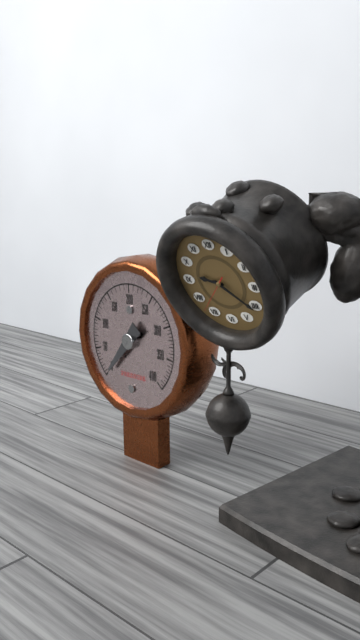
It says 9 h 21 min
